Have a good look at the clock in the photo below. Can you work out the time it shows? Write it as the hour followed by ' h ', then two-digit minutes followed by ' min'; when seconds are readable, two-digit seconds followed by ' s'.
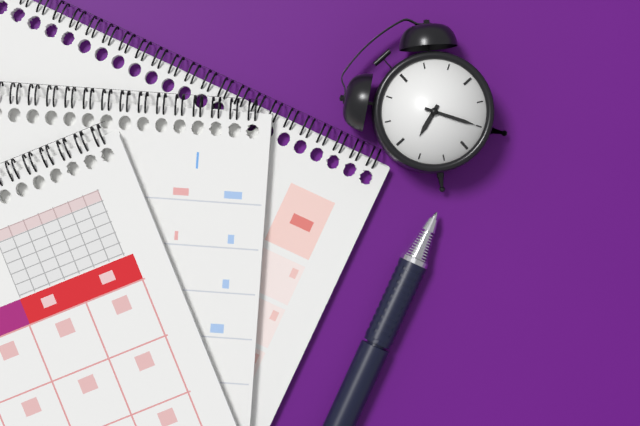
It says 8 h 25 min
